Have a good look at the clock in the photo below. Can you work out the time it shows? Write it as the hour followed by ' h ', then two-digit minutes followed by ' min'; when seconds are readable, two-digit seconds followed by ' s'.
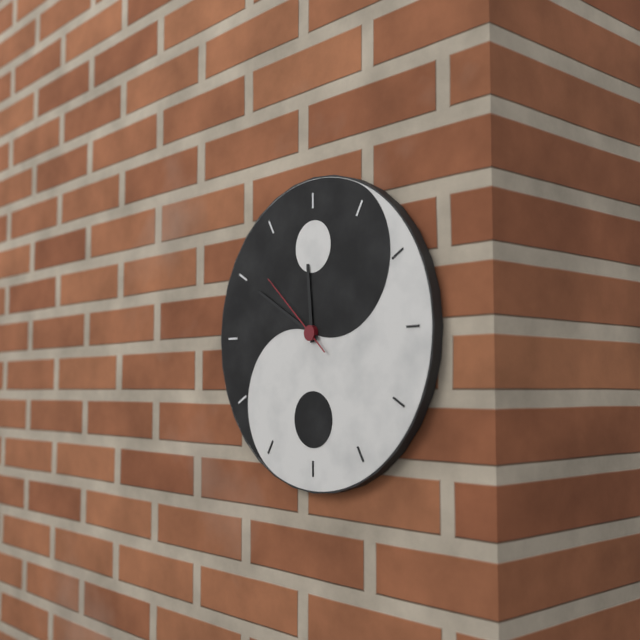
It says 11 h 50 min 52 s
